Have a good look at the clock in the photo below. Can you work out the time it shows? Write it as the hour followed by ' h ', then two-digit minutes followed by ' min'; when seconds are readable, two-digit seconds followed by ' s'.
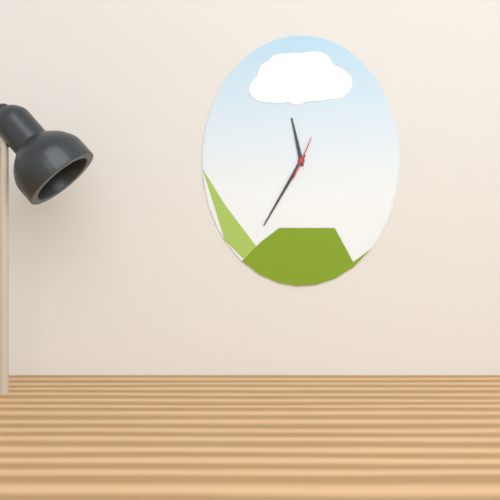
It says 11 h 35 min
